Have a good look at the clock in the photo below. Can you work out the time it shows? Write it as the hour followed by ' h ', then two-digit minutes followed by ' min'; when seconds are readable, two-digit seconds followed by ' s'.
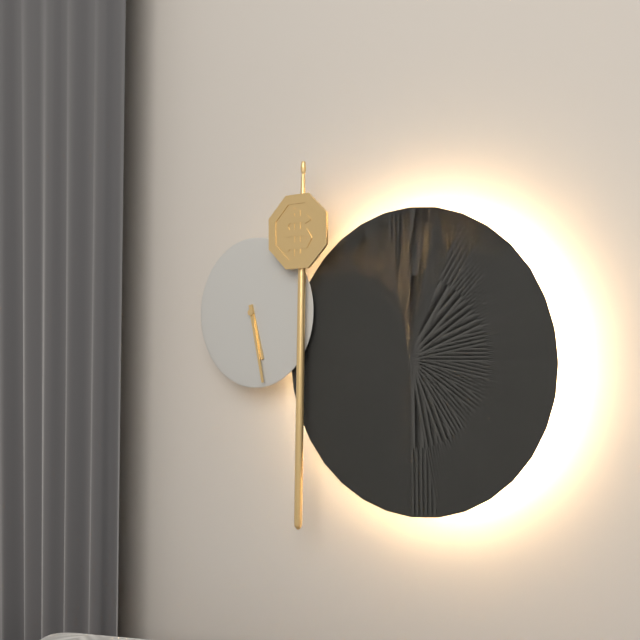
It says 5 h 28 min
